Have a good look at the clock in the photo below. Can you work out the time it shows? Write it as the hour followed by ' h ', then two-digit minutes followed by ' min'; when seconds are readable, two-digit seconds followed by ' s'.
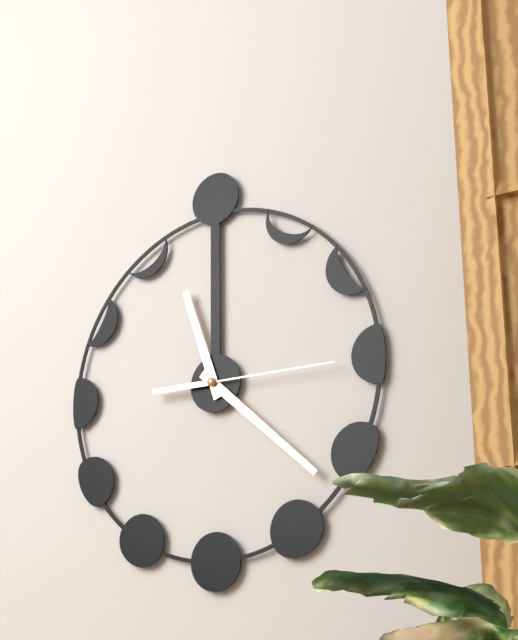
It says 11 h 22 min 15 s
